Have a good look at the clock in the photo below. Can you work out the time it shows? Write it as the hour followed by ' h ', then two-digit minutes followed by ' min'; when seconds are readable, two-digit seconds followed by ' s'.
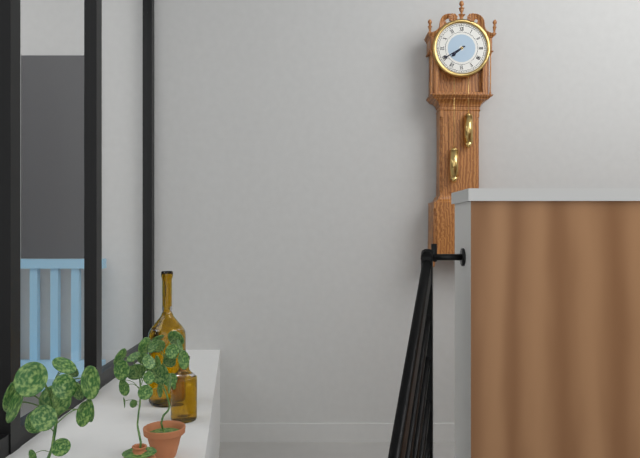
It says 7 h 40 min
